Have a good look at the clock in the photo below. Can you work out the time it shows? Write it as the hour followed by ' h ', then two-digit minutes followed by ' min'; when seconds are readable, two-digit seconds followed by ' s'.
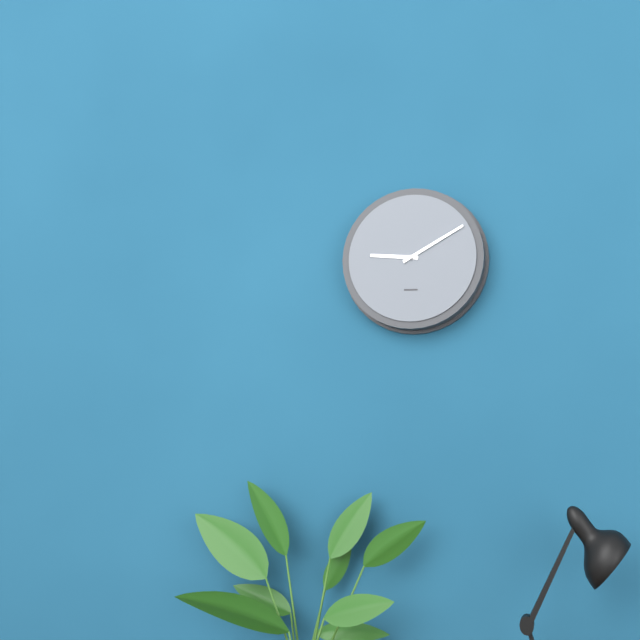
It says 9 h 10 min
